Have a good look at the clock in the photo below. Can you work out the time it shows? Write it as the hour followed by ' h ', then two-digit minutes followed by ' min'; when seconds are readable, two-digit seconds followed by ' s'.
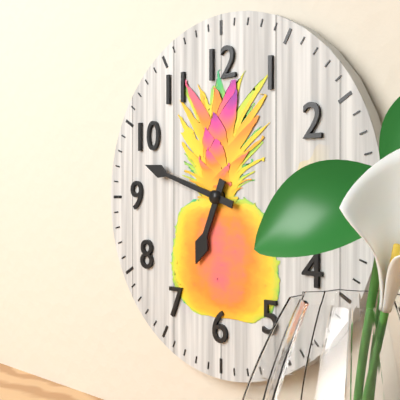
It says 6 h 48 min
